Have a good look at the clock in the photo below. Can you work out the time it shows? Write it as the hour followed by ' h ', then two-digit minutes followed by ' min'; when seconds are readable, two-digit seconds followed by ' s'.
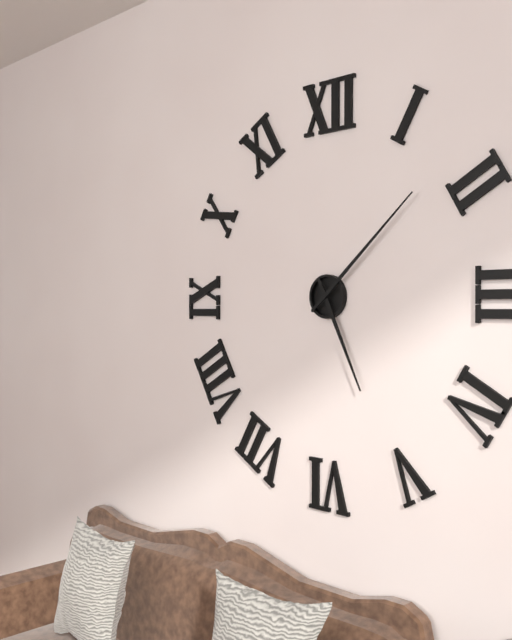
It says 5 h 08 min
